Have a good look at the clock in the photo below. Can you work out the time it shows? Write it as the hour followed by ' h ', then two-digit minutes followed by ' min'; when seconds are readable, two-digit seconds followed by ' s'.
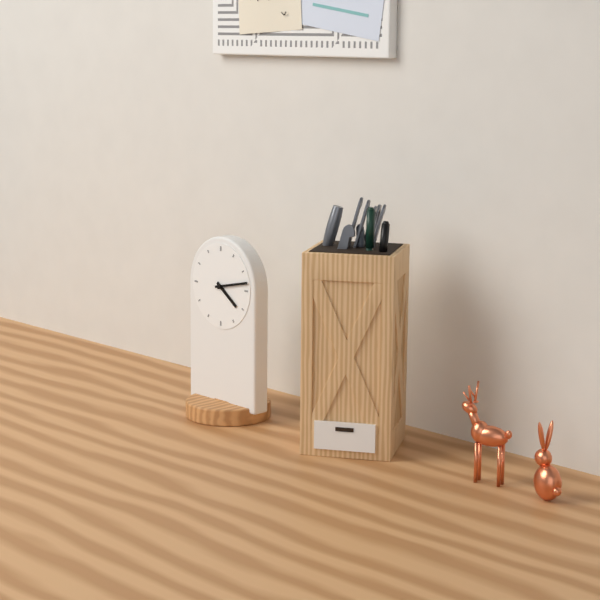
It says 4 h 13 min
